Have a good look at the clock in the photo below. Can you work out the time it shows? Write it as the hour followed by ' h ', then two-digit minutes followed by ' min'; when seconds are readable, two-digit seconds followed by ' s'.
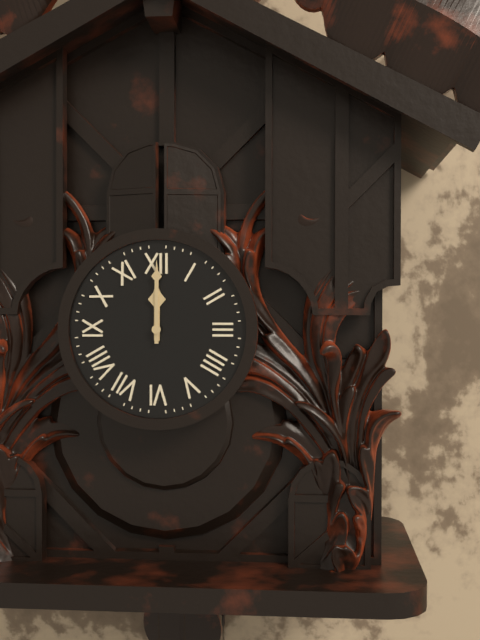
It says 12 h 00 min
